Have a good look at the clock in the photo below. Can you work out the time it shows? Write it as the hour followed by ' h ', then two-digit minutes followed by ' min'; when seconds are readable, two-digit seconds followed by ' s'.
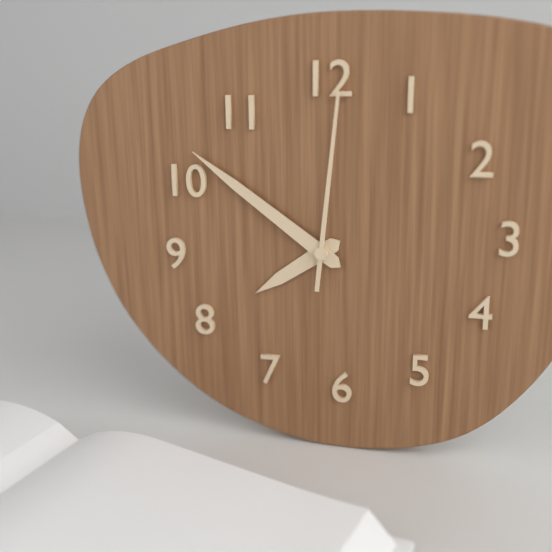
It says 7 h 51 min 01 s
